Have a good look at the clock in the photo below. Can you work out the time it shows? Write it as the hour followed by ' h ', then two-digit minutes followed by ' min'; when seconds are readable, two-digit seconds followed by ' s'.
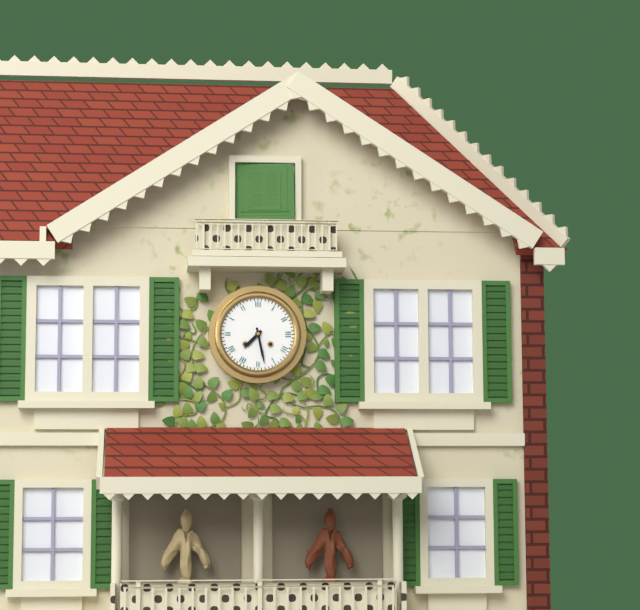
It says 7 h 28 min
